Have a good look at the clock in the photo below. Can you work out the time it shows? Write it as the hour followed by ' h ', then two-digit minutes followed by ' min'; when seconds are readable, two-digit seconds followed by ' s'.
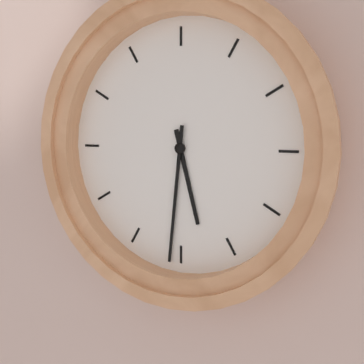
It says 5 h 31 min
